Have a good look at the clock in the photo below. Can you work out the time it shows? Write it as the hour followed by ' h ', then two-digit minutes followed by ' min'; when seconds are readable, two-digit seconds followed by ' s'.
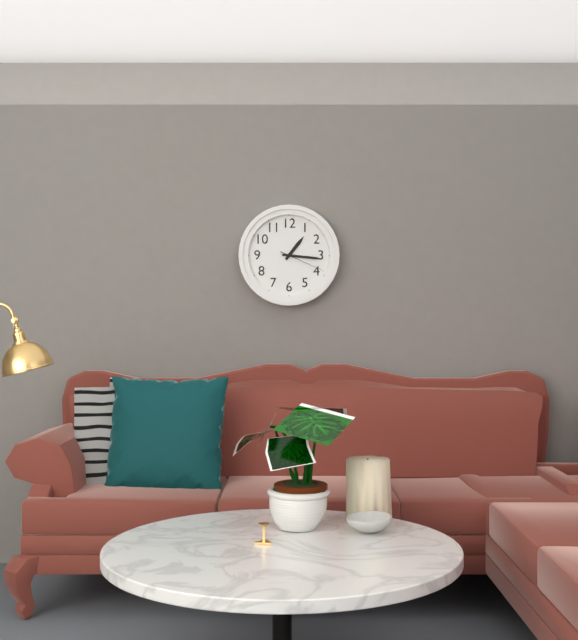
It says 1 h 16 min
